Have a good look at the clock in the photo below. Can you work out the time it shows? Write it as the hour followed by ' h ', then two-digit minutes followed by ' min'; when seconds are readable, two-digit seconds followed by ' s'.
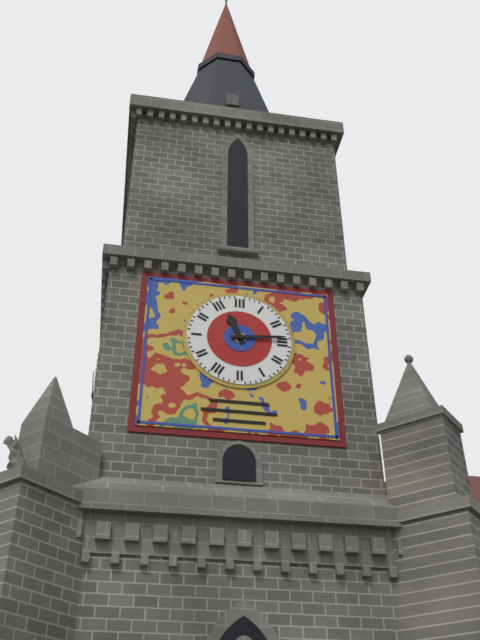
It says 11 h 14 min
